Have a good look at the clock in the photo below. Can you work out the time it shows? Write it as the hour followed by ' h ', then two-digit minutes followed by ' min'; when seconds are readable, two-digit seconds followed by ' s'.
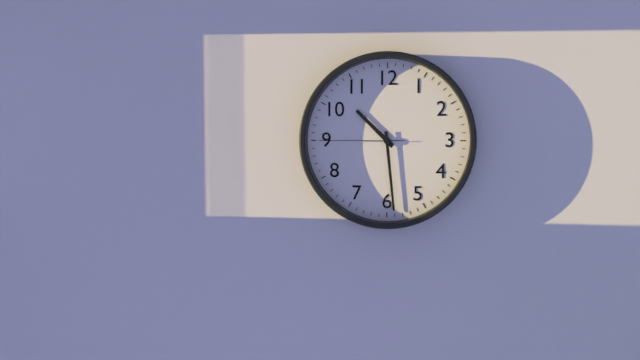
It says 10 h 29 min 45 s
